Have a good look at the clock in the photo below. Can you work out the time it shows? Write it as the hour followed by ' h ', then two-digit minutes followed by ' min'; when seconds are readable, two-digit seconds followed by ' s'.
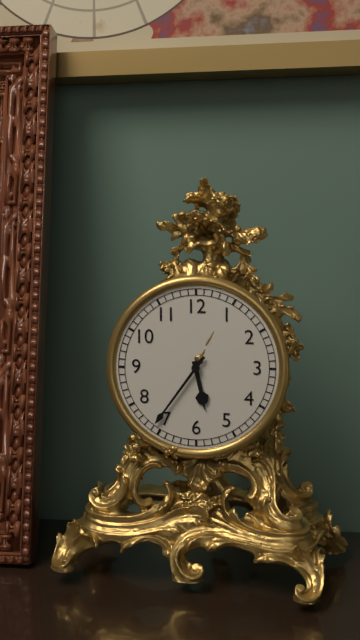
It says 5 h 36 min
